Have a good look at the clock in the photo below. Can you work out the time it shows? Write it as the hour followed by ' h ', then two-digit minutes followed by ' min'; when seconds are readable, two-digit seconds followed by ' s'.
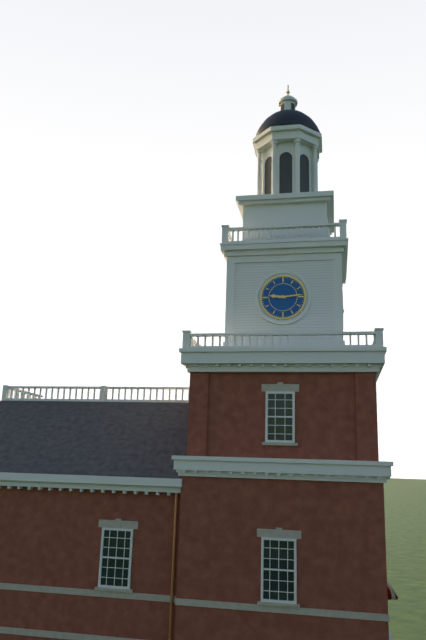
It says 9 h 14 min
